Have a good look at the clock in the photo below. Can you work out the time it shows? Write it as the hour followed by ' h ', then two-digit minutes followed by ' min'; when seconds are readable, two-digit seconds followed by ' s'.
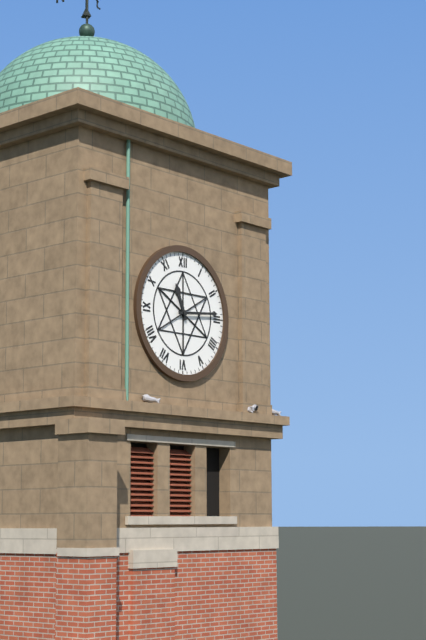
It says 11 h 14 min
